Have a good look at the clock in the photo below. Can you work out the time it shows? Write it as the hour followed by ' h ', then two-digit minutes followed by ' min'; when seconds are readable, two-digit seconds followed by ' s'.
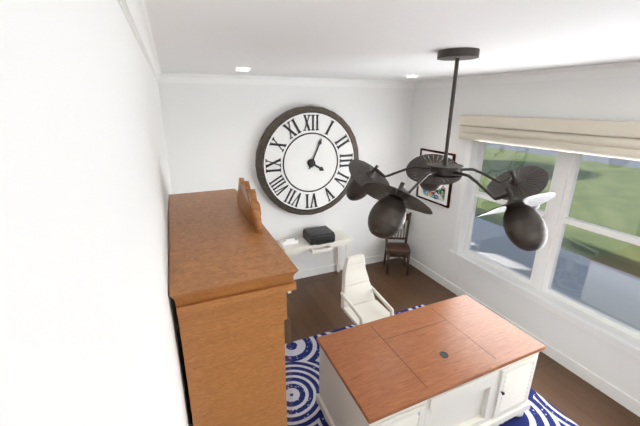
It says 4 h 04 min
